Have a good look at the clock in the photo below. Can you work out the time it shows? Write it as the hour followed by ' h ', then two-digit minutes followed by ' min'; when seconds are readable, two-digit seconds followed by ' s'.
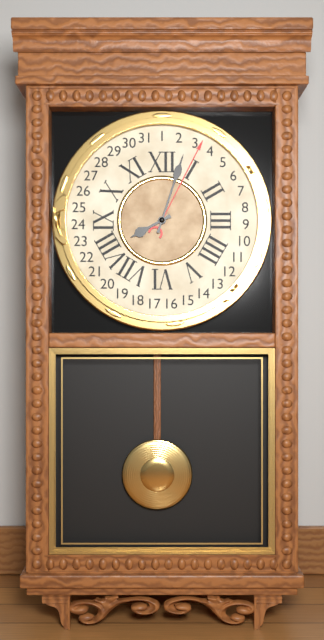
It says 8 h 03 min
